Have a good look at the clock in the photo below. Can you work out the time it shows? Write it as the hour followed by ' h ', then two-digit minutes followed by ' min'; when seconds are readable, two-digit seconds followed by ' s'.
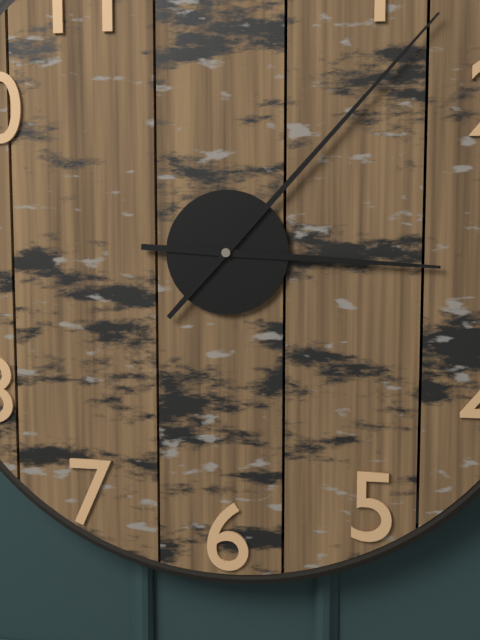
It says 3 h 07 min
